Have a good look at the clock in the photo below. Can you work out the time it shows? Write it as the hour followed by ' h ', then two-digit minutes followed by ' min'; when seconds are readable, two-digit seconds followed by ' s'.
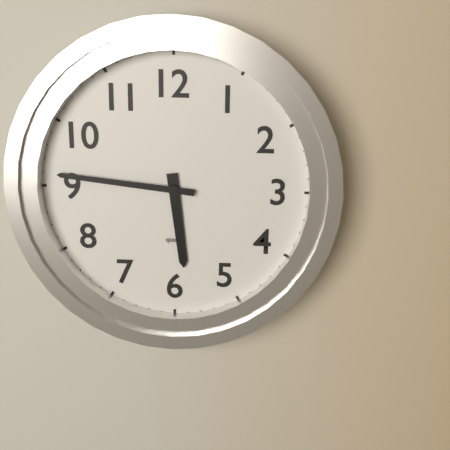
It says 5 h 46 min
